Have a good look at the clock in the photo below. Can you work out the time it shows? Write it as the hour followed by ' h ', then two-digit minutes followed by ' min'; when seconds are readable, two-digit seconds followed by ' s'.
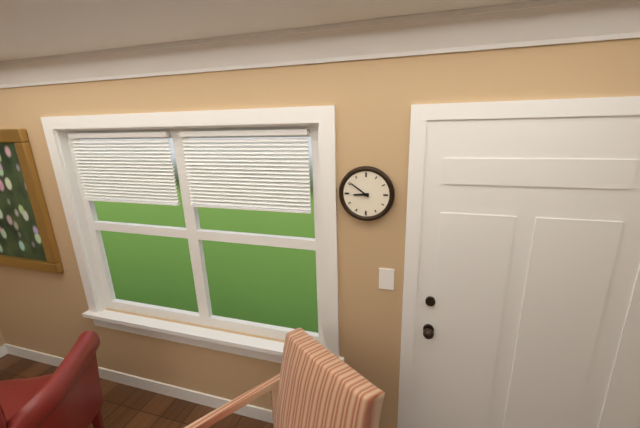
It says 8 h 51 min
